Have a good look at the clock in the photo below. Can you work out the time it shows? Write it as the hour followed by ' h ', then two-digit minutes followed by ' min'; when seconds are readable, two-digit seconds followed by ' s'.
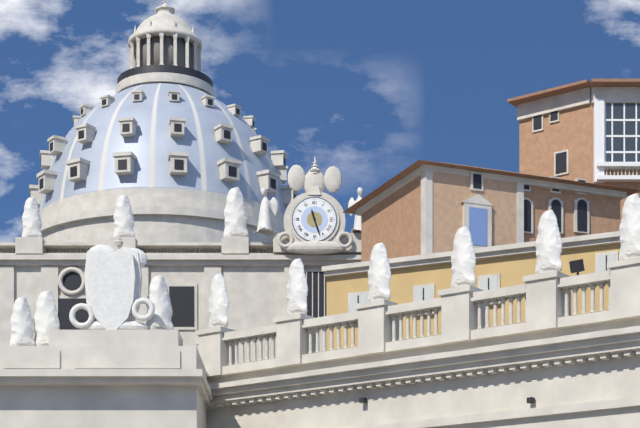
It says 11 h 27 min
